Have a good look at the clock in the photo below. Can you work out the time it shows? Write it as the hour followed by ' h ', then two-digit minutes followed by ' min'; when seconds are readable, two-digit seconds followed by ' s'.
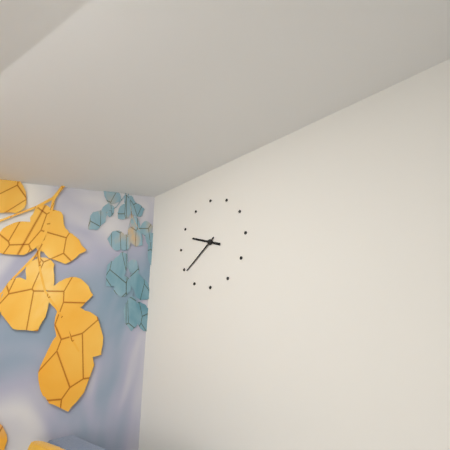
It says 9 h 39 min
